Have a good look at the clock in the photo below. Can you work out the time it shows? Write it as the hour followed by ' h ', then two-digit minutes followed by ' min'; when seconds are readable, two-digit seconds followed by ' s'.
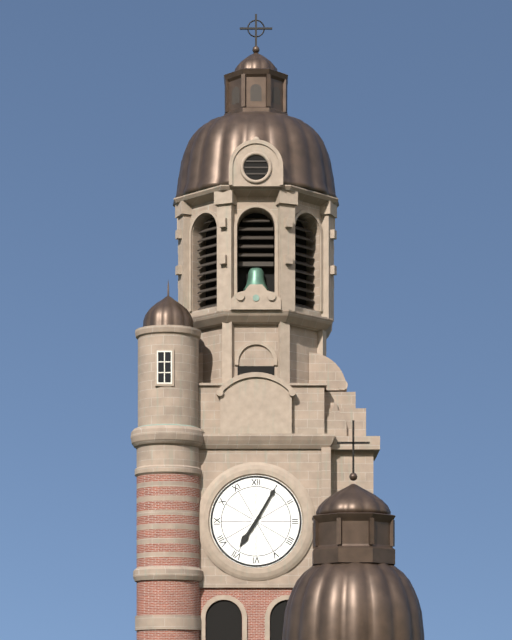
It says 7 h 05 min
